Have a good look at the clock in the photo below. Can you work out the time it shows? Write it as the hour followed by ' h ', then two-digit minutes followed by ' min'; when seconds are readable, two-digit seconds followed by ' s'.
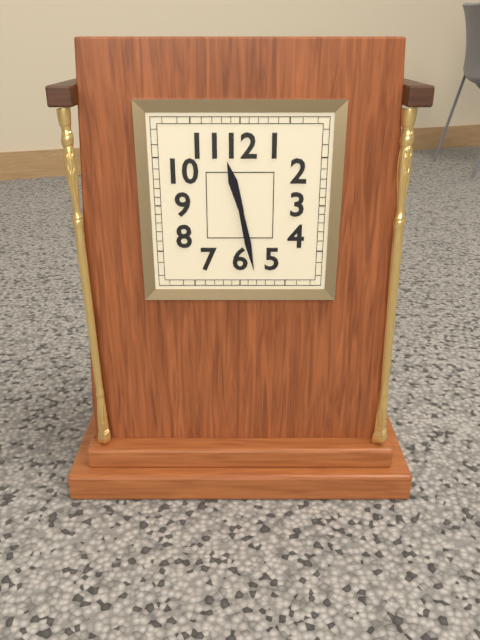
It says 11 h 28 min
